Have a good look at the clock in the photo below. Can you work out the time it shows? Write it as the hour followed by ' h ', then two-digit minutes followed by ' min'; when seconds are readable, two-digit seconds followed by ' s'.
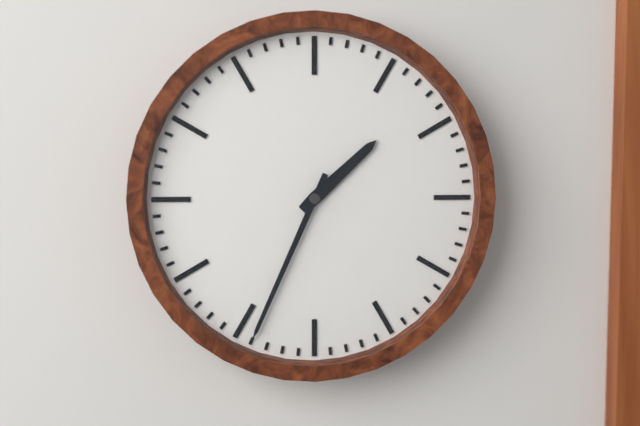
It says 1 h 34 min
